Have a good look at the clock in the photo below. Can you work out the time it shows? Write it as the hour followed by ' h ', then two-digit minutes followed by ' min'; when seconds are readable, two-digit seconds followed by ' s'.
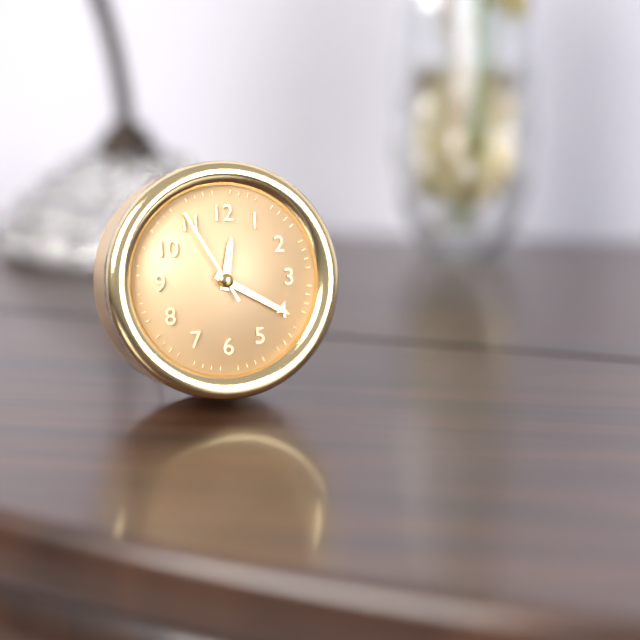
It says 12 h 20 min 55 s
